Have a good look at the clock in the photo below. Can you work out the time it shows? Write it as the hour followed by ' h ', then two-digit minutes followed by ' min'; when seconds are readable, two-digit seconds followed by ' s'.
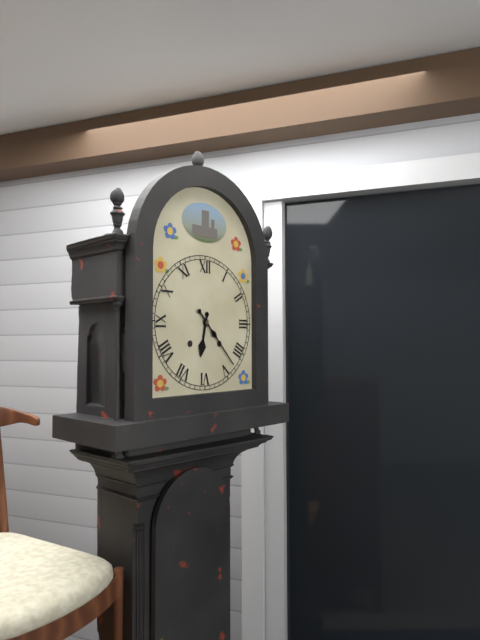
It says 6 h 23 min
